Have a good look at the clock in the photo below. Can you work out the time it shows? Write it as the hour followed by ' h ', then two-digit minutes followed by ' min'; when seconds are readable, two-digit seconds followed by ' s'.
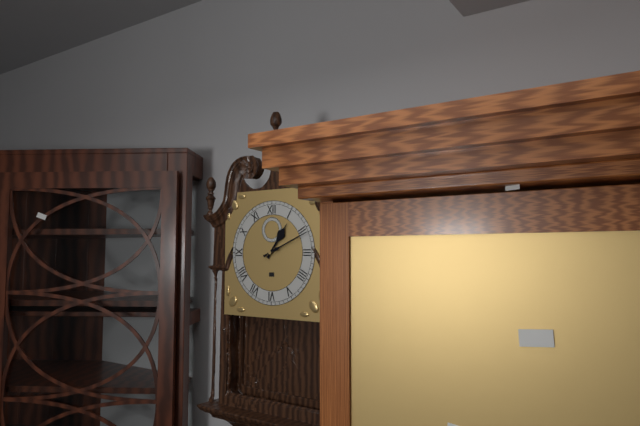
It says 1 h 11 min
